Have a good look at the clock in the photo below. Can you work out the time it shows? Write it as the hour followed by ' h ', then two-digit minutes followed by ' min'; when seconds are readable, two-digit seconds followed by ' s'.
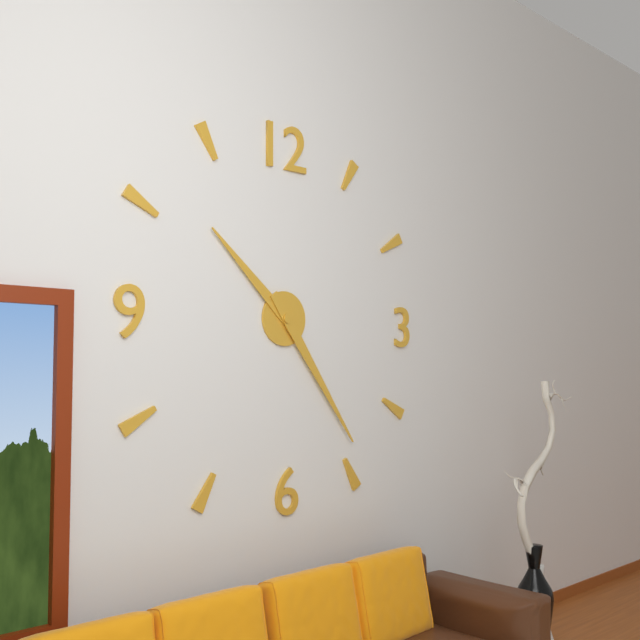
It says 10 h 24 min
